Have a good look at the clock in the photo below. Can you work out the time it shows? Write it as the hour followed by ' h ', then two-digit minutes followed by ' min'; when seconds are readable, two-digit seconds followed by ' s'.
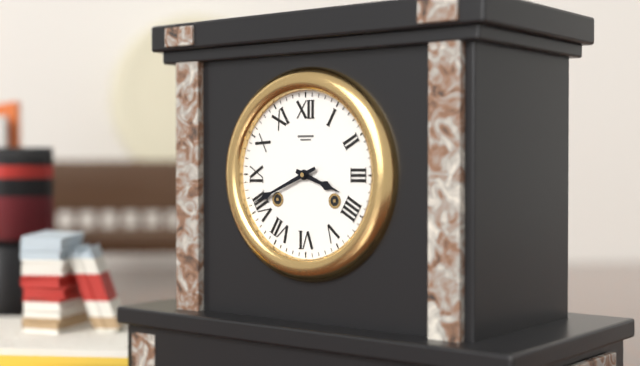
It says 3 h 41 min
